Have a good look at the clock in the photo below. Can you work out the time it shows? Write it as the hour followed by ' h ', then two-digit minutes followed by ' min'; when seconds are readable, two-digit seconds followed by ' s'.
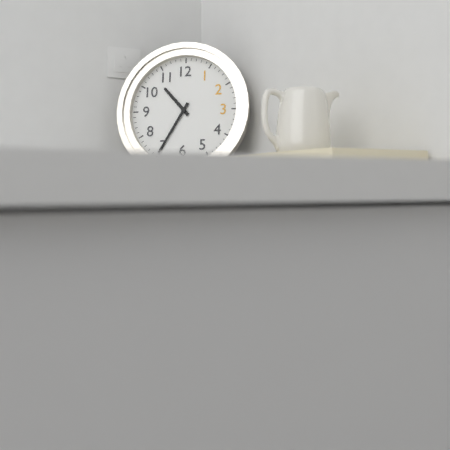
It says 10 h 35 min
